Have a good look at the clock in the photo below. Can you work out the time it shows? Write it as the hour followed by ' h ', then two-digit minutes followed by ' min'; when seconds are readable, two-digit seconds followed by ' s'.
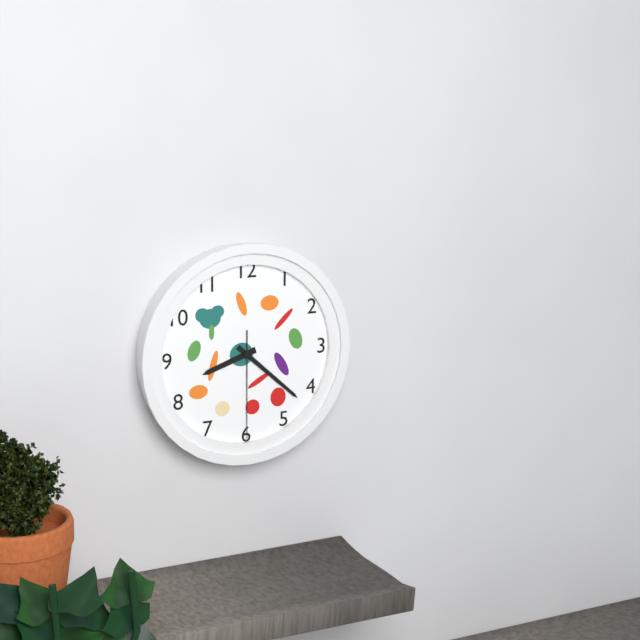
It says 8 h 22 min 30 s
